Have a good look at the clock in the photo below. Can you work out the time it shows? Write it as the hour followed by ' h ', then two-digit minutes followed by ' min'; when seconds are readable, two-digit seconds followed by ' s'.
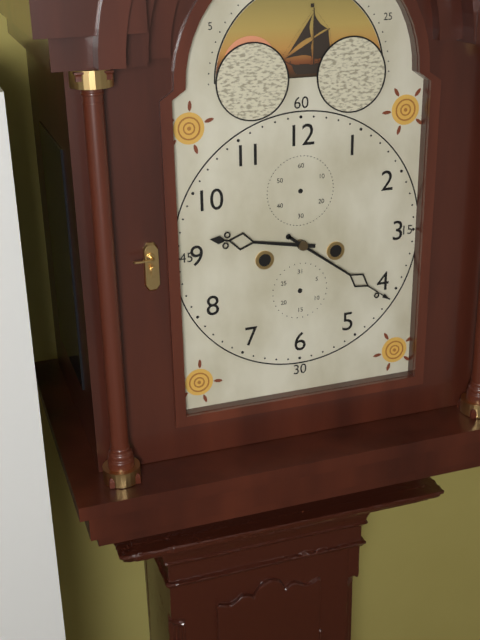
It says 9 h 21 min
